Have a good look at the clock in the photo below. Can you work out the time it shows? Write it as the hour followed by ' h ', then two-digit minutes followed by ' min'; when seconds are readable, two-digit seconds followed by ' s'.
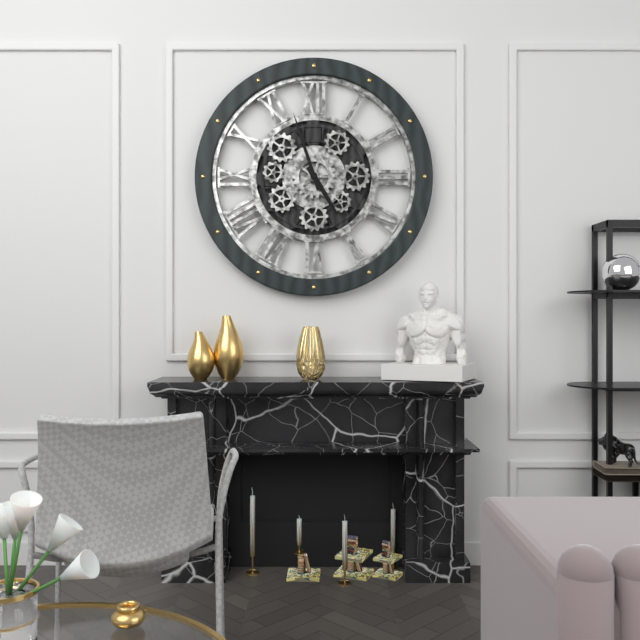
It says 4 h 57 min
